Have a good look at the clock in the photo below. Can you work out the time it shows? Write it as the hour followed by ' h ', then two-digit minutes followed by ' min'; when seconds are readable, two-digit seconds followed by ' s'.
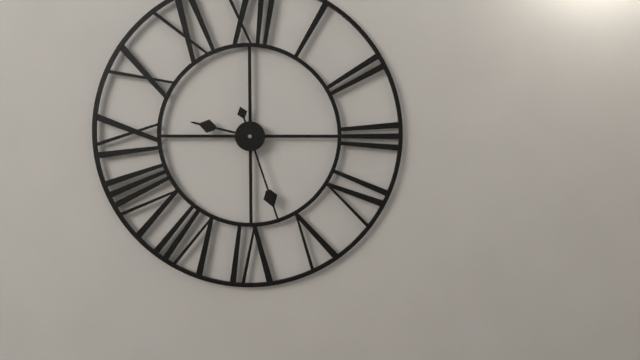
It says 9 h 27 min
